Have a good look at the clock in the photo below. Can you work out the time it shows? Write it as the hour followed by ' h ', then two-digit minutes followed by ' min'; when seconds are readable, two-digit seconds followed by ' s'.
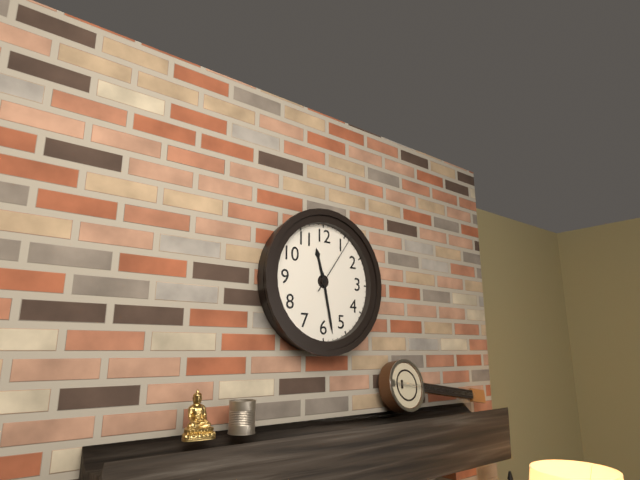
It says 11 h 28 min 06 s
